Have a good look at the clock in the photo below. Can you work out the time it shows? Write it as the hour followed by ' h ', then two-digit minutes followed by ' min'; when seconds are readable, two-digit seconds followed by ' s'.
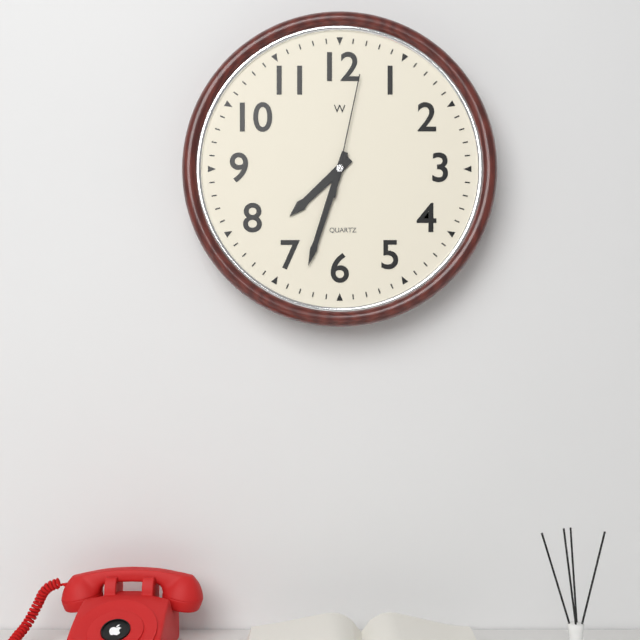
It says 7 h 33 min 02 s
